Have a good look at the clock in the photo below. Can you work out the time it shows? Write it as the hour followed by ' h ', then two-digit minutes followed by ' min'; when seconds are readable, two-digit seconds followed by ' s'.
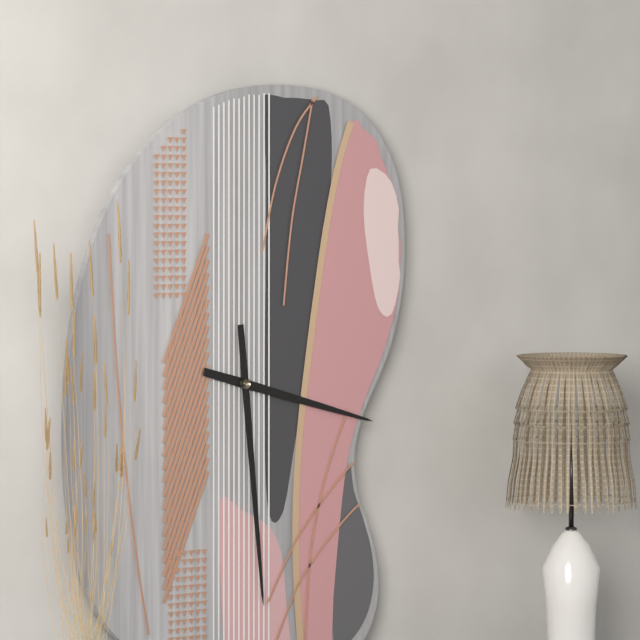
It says 3 h 29 min
